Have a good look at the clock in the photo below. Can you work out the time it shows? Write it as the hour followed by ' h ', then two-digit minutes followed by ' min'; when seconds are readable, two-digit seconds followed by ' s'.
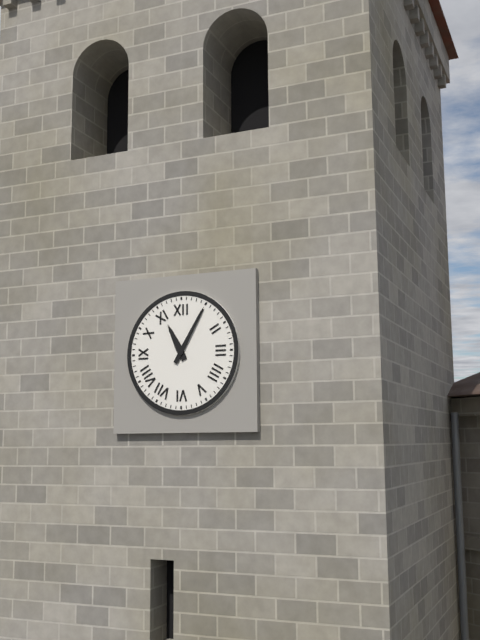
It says 11 h 05 min
